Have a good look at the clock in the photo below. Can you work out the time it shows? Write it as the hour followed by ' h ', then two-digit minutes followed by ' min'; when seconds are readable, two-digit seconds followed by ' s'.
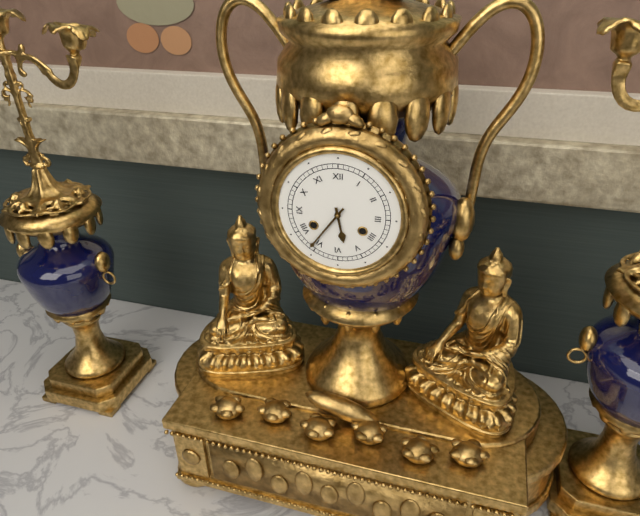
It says 5 h 36 min
